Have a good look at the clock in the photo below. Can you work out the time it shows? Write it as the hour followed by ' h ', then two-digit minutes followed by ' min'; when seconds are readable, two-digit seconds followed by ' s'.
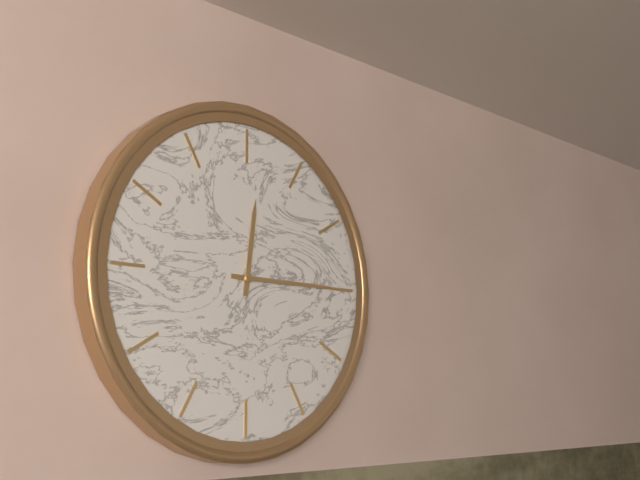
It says 12 h 15 min
